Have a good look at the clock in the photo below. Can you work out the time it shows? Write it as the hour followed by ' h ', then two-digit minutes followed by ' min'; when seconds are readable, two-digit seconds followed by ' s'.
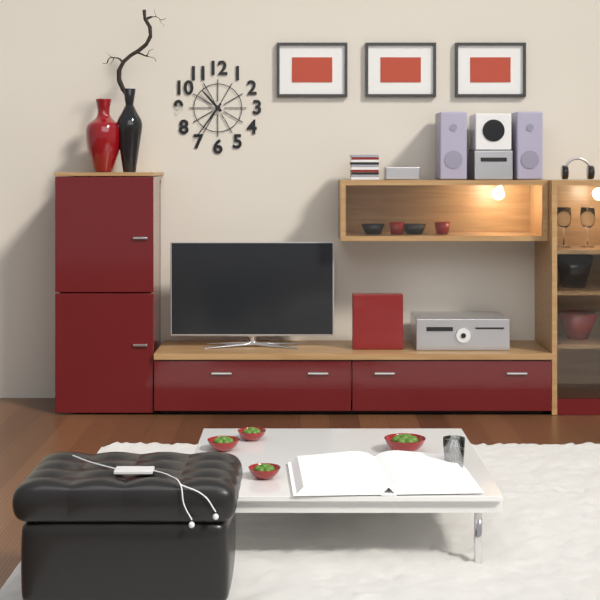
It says 10 h 36 min
